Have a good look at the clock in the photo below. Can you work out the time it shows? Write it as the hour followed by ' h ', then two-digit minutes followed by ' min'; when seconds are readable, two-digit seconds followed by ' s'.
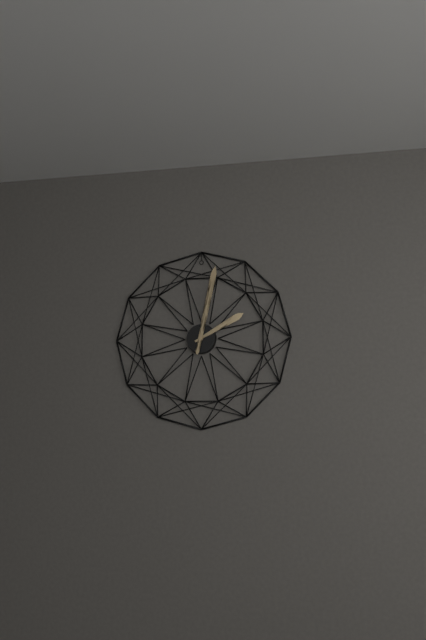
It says 2 h 02 min
